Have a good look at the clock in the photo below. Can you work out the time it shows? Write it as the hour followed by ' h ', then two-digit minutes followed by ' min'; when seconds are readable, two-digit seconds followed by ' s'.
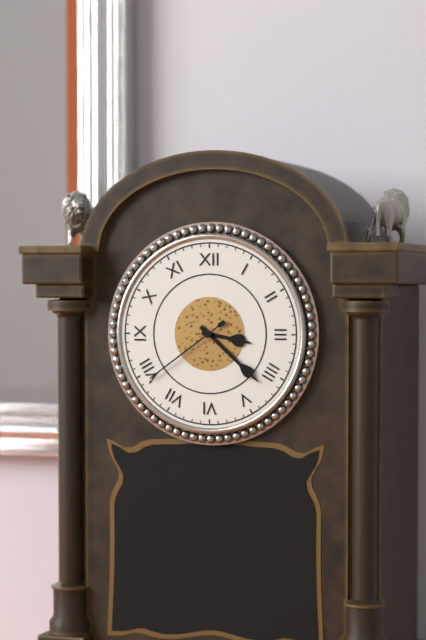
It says 3 h 22 min 39 s
